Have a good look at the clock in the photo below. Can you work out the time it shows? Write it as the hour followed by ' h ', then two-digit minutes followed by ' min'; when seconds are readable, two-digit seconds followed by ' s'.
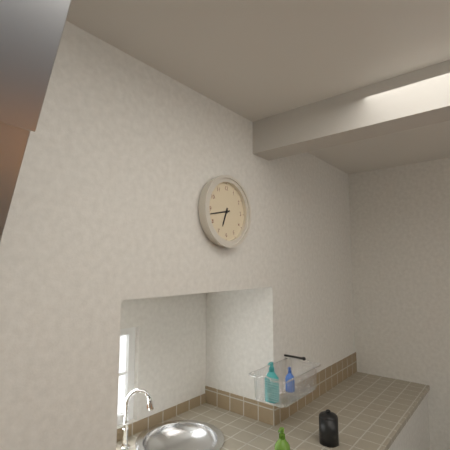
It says 6 h 43 min
